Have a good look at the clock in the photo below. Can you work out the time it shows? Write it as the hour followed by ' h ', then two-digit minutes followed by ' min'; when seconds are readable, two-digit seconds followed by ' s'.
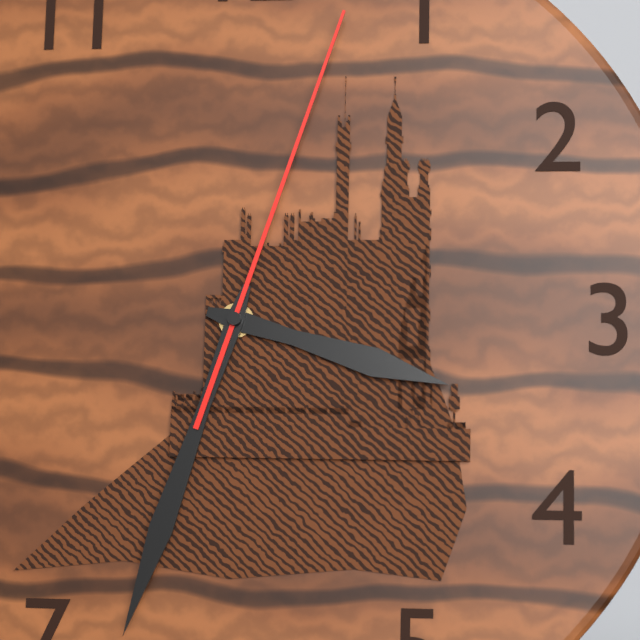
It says 3 h 33 min 03 s
